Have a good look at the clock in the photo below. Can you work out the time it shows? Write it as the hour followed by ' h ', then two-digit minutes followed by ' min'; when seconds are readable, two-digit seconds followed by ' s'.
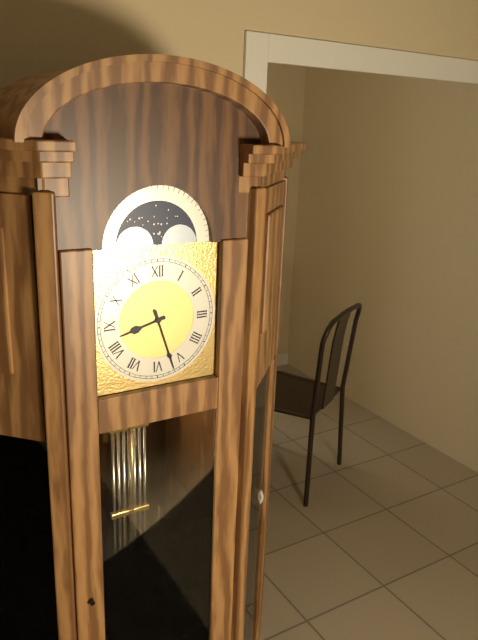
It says 8 h 27 min
